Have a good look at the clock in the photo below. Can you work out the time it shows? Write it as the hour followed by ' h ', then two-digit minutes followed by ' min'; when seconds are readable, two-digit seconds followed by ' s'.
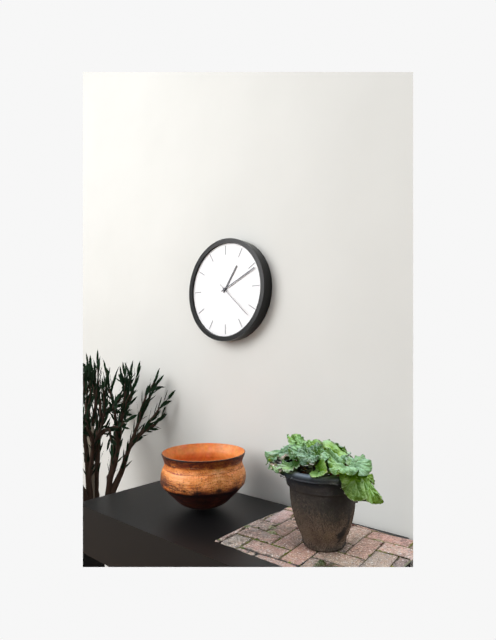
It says 1 h 11 min
